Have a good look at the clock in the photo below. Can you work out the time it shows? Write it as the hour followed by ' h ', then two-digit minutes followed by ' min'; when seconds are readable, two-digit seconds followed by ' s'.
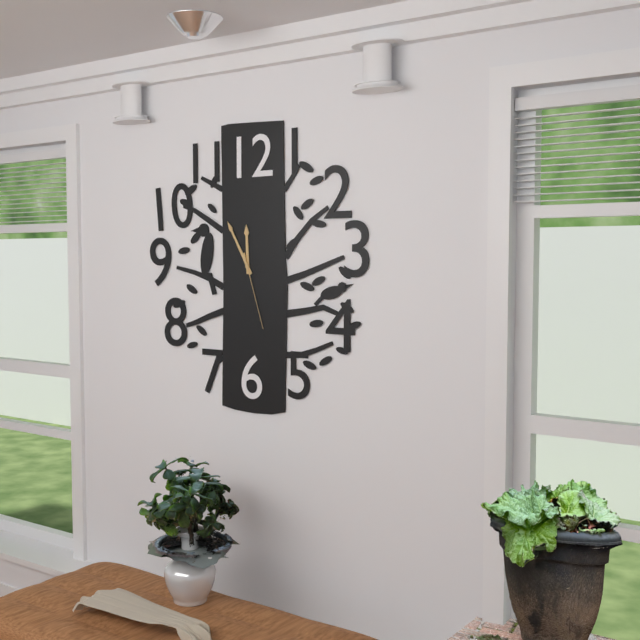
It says 11 h 55 min 27 s
